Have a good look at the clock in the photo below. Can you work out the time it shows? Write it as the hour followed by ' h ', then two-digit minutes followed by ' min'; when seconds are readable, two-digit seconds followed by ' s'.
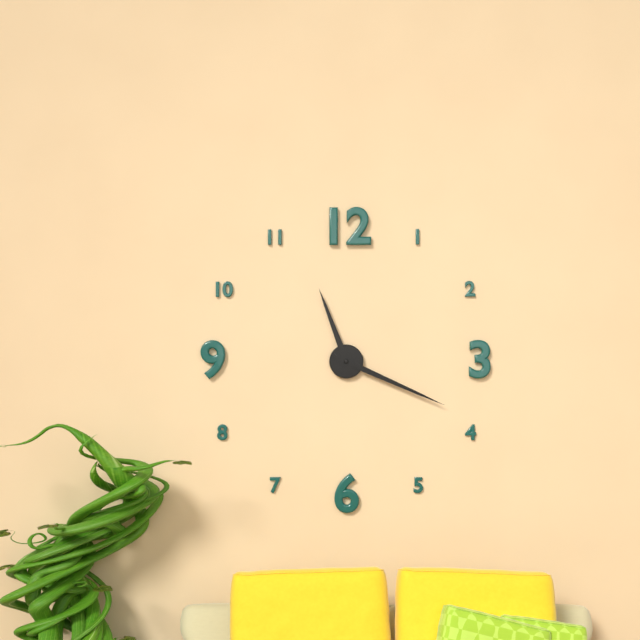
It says 11 h 19 min
